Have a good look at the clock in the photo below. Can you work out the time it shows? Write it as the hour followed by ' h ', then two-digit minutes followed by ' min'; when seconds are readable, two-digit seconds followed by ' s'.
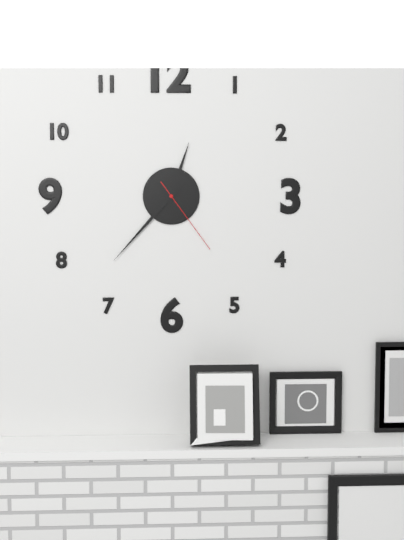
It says 12 h 37 min 24 s
